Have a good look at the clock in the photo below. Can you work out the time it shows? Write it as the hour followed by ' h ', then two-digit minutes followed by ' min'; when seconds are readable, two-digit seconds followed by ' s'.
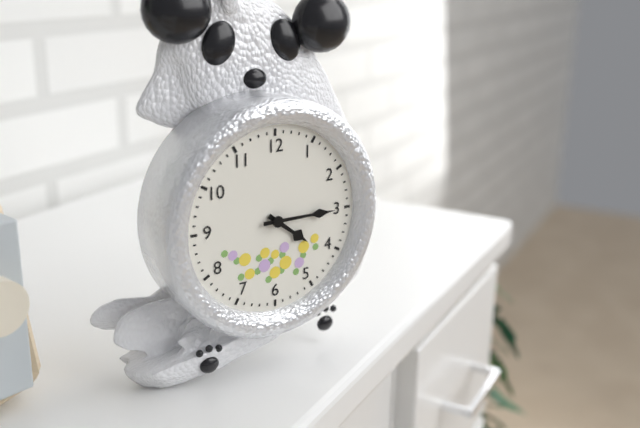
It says 4 h 15 min
